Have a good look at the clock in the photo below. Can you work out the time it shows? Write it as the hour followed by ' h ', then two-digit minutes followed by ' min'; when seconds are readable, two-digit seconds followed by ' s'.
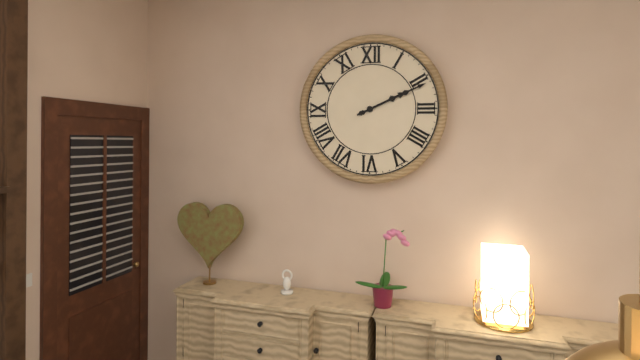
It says 2 h 11 min
